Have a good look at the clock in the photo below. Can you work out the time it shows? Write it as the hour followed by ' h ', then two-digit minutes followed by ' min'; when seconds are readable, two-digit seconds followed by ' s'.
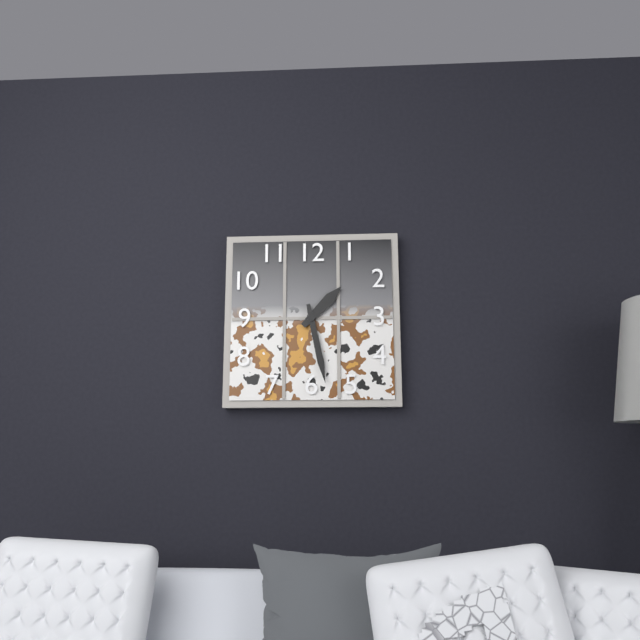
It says 1 h 28 min
